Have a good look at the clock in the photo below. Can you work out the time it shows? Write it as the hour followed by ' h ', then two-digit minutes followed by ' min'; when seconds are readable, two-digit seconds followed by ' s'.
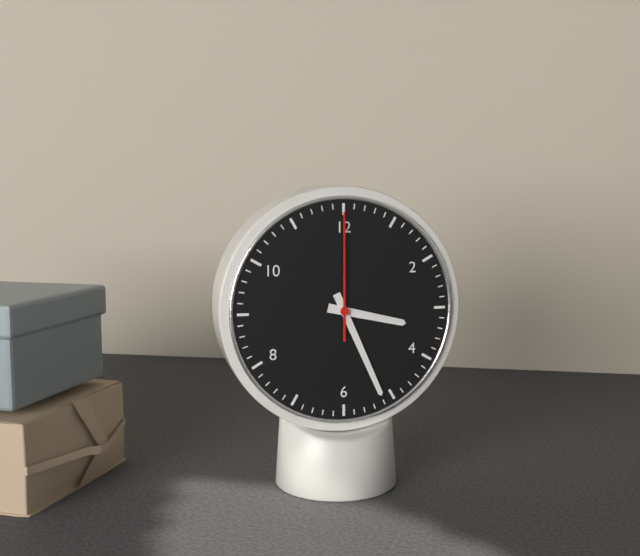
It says 3 h 26 min 00 s
